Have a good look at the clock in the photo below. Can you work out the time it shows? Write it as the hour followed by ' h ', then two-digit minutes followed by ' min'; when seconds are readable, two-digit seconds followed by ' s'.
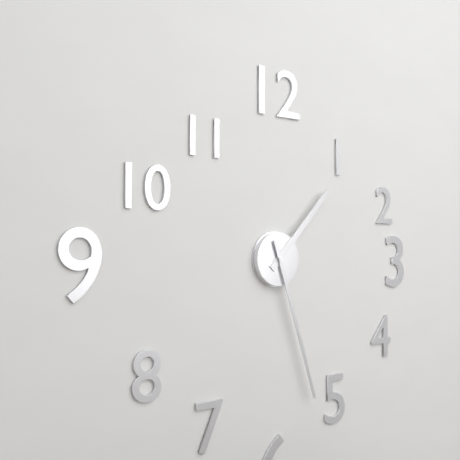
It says 1 h 27 min
